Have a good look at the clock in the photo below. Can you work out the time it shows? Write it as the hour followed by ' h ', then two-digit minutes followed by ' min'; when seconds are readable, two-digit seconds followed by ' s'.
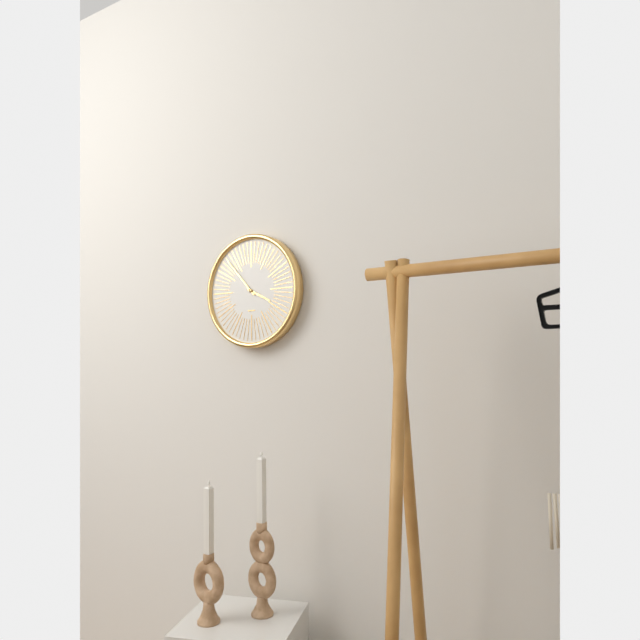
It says 3 h 53 min
